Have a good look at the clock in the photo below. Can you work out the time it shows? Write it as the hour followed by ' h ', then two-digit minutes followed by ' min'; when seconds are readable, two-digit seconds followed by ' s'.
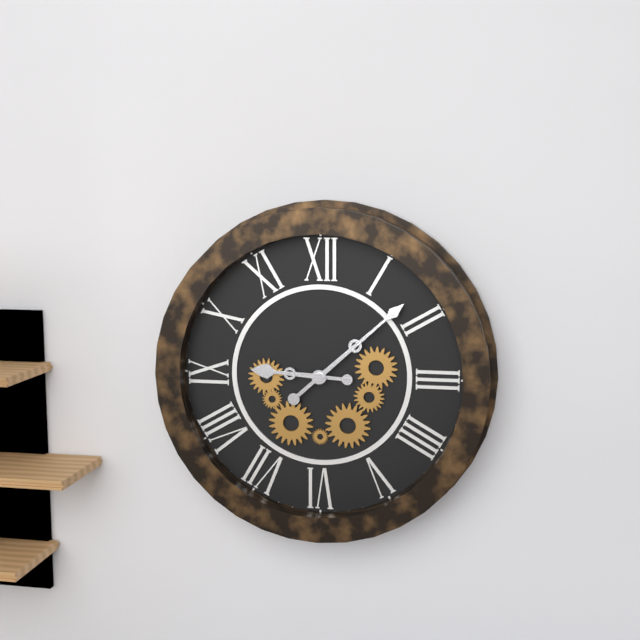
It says 9 h 08 min
